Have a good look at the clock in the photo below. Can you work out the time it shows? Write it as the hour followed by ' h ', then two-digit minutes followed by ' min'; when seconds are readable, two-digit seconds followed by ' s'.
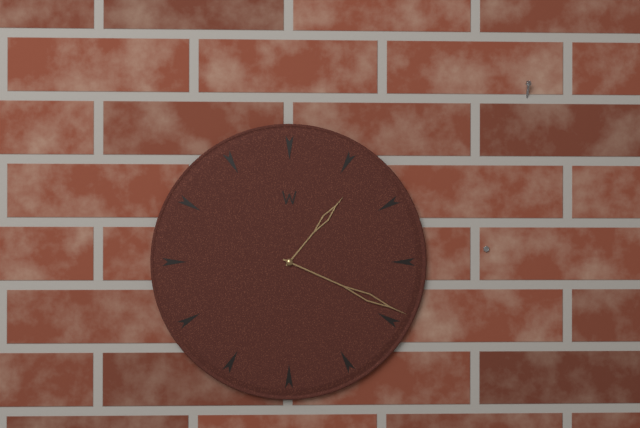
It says 1 h 19 min
